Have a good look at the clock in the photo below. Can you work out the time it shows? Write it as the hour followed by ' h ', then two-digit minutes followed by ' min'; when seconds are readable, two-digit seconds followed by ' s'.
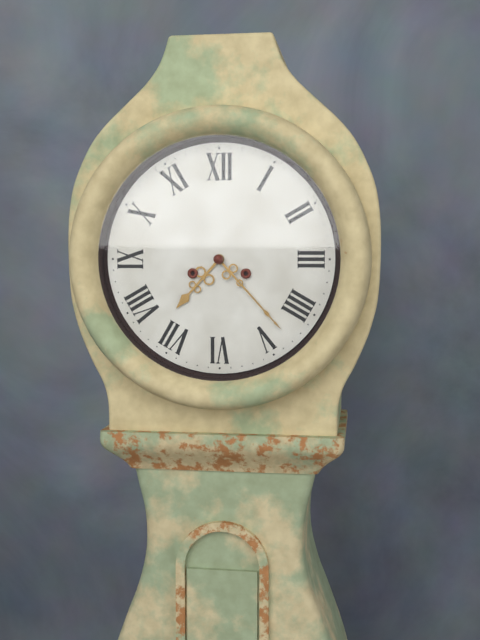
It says 7 h 23 min
